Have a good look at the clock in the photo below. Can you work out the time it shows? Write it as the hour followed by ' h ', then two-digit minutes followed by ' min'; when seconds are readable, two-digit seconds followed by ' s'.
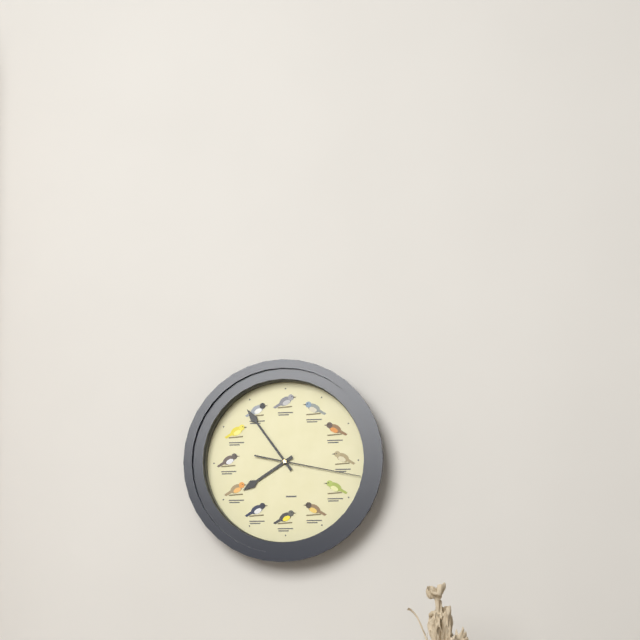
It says 7 h 54 min 17 s
